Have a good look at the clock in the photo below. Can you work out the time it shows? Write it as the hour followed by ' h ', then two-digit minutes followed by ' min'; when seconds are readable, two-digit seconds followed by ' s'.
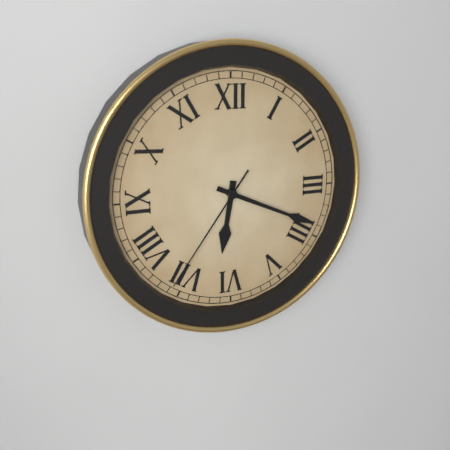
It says 6 h 19 min 36 s
